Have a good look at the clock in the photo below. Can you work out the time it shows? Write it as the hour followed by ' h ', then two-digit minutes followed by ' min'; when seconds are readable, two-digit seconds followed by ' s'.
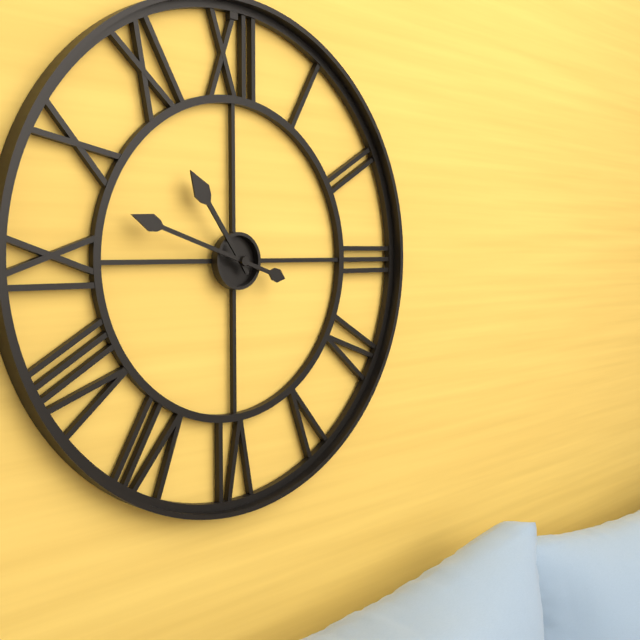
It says 10 h 48 min
